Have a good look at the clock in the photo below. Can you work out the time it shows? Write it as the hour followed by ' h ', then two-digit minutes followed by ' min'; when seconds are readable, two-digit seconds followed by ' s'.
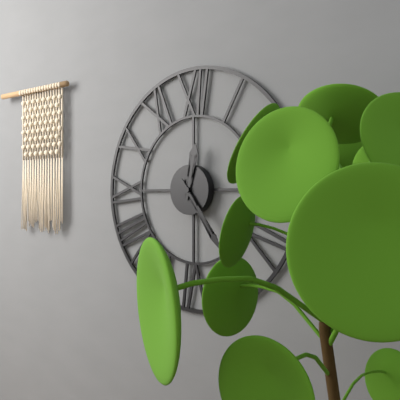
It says 12 h 24 min
